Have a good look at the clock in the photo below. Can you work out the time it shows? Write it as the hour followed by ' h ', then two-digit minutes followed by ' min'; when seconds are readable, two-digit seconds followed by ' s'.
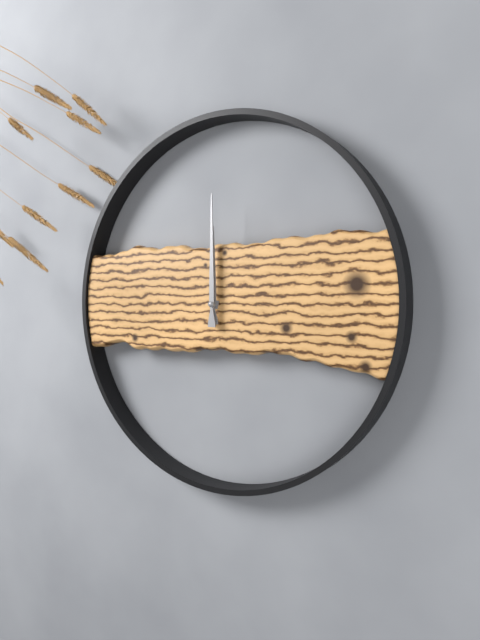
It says 12 h 00 min
